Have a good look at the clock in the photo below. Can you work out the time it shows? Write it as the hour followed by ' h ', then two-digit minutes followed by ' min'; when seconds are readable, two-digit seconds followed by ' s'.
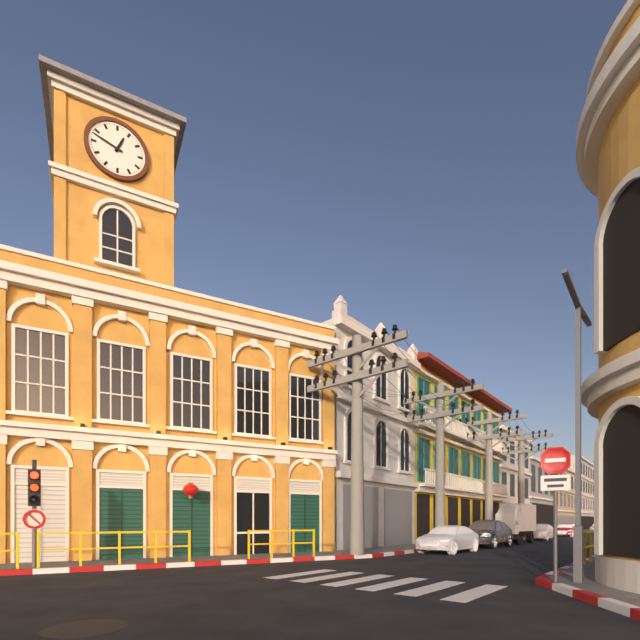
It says 12 h 48 min
